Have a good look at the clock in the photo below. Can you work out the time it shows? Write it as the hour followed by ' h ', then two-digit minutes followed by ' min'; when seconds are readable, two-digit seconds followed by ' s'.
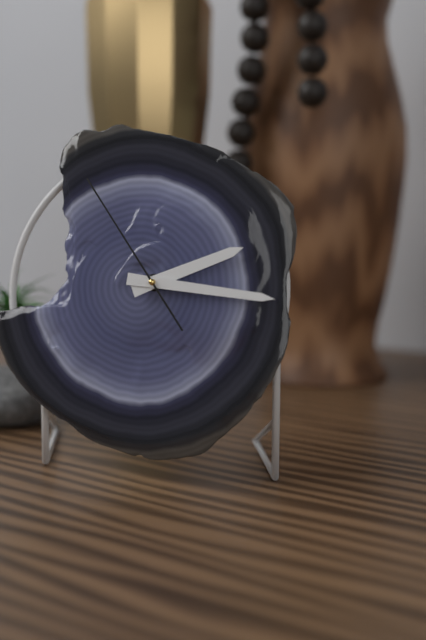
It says 2 h 16 min 54 s
